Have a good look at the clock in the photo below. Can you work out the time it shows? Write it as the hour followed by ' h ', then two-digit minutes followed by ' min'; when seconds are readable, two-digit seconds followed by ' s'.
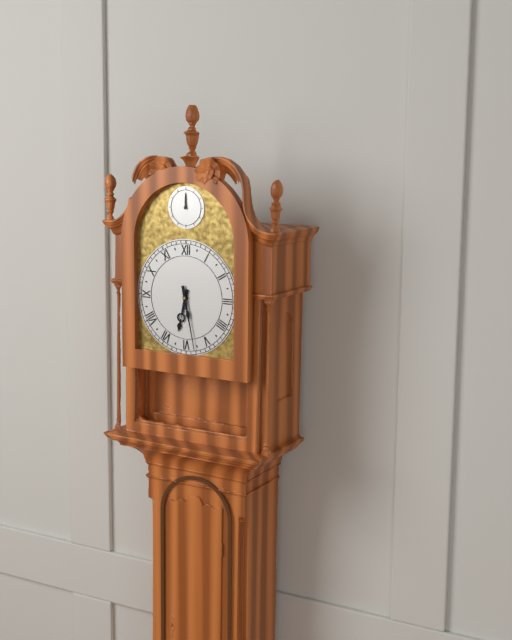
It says 6 h 28 min
